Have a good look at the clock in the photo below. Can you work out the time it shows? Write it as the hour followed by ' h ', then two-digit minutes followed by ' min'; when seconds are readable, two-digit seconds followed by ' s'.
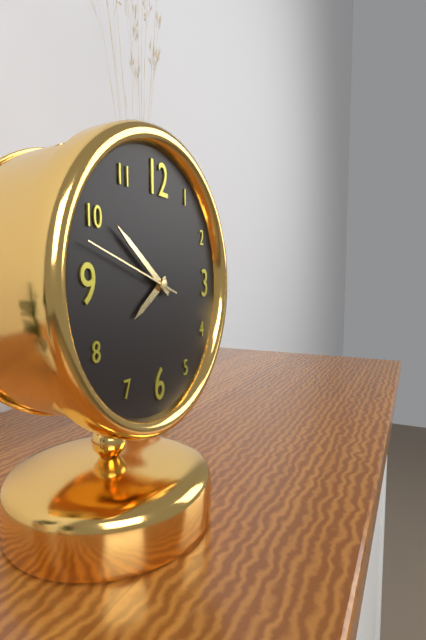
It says 7 h 51 min 48 s
